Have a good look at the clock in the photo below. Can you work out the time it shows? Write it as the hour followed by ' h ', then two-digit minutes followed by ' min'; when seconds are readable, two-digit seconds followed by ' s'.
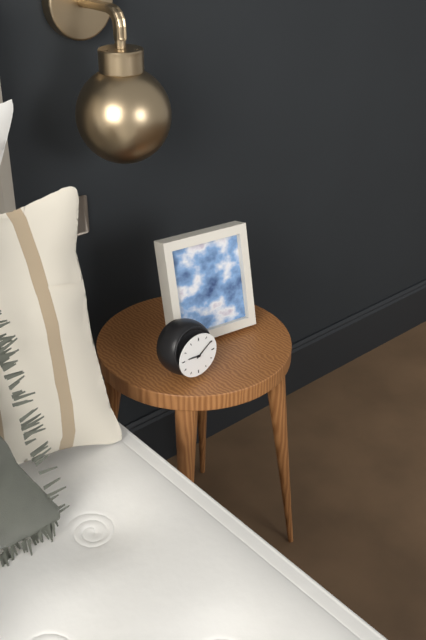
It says 9 h 09 min
